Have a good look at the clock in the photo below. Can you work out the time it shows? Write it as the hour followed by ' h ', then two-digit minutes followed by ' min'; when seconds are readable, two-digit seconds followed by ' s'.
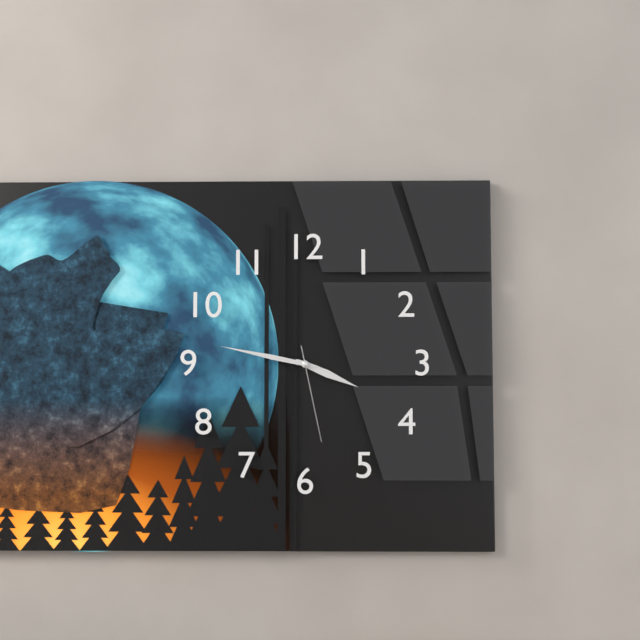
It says 3 h 47 min 28 s
